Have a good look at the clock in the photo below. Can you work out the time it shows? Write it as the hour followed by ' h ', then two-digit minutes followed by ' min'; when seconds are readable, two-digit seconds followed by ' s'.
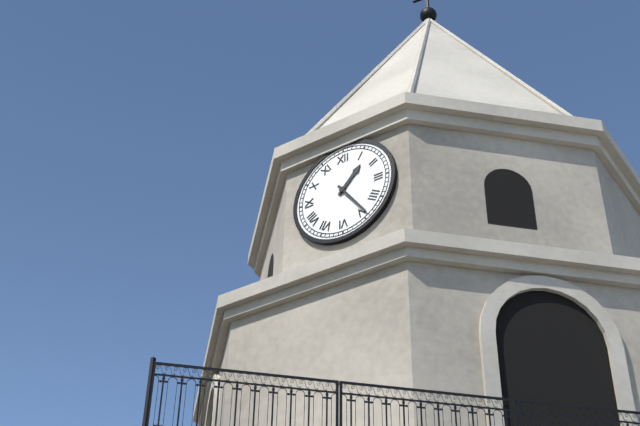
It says 1 h 24 min
